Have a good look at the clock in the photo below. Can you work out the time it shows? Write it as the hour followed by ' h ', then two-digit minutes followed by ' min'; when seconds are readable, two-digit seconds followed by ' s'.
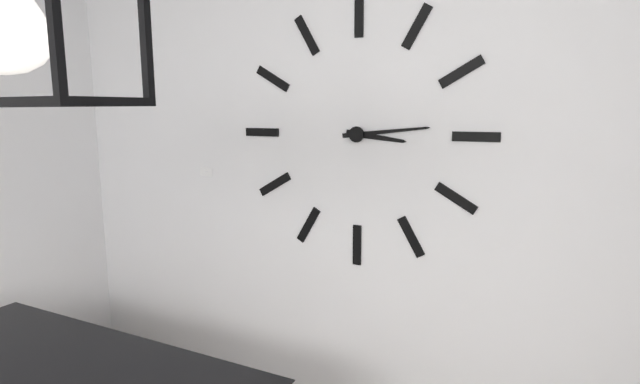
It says 3 h 14 min
